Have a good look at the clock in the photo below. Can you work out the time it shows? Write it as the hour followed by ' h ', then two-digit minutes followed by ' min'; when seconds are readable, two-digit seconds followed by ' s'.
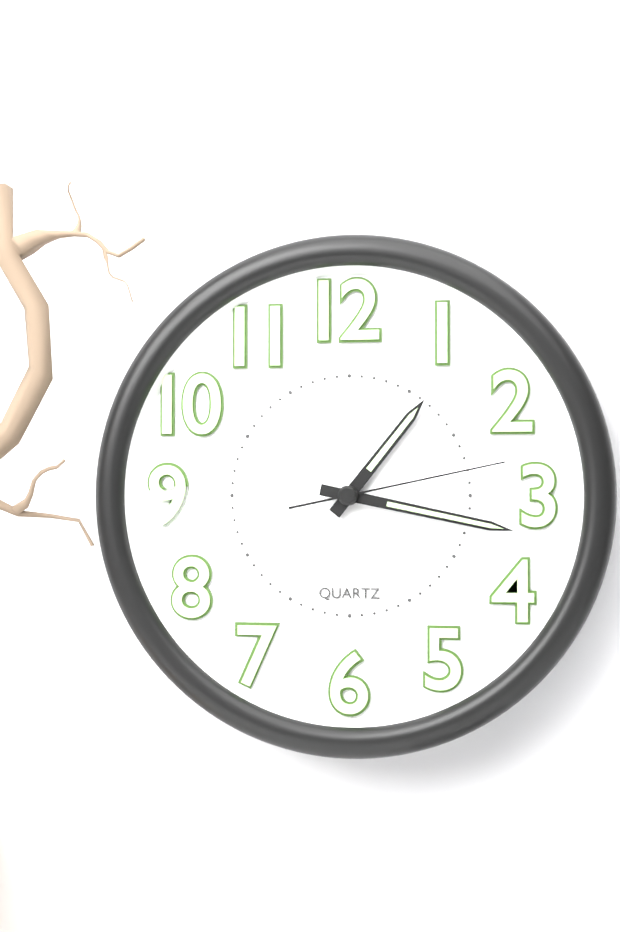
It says 1 h 17 min 13 s
